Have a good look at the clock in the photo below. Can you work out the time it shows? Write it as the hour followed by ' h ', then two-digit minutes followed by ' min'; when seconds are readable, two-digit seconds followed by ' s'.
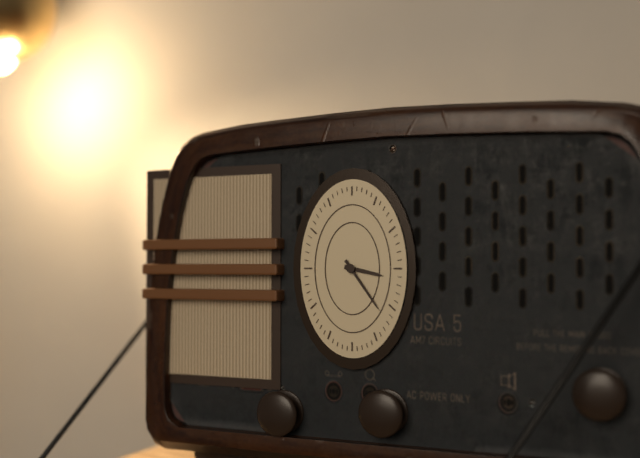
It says 3 h 24 min
